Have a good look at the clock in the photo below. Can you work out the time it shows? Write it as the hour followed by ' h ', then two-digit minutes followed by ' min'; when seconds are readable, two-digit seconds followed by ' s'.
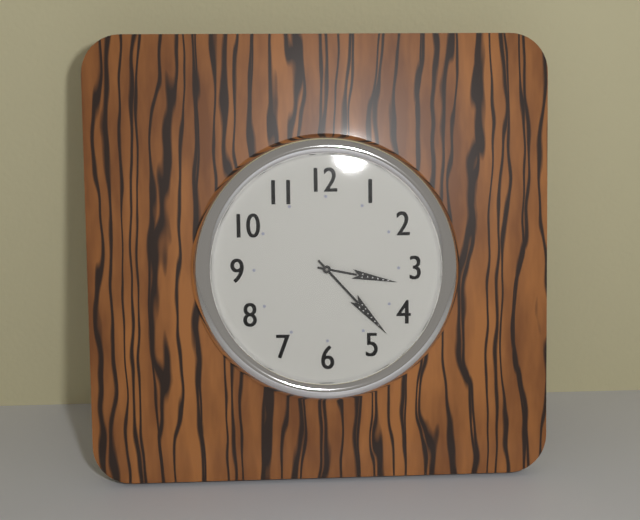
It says 3 h 23 min
